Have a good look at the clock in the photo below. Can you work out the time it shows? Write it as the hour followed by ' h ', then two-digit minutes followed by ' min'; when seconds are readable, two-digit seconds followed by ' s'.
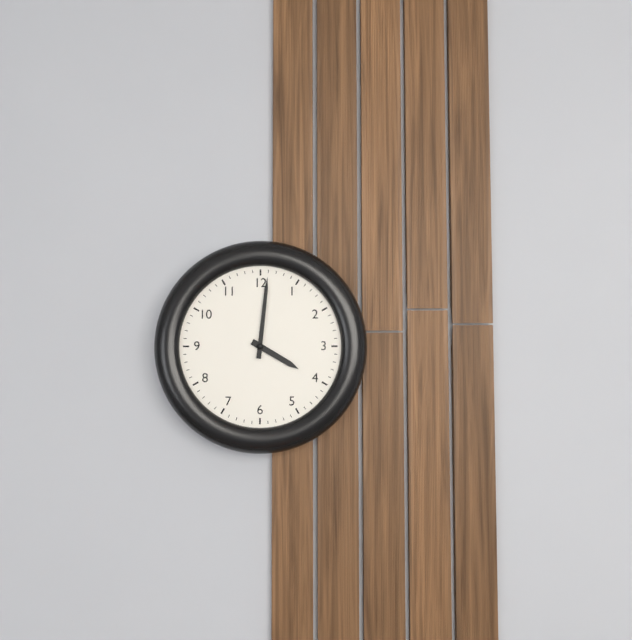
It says 4 h 01 min
